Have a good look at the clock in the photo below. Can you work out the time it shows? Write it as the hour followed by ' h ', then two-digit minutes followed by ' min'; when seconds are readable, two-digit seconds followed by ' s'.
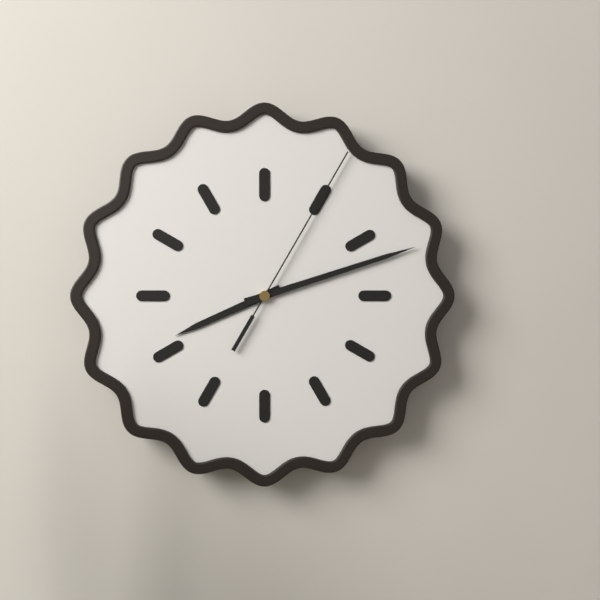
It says 8 h 12 min 05 s
